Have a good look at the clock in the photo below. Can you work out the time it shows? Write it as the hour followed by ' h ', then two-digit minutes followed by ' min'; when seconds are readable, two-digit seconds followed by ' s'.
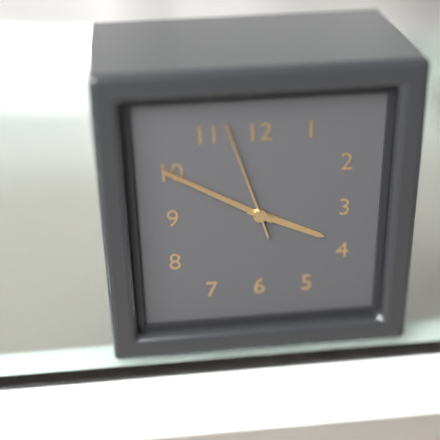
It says 3 h 50 min 57 s
